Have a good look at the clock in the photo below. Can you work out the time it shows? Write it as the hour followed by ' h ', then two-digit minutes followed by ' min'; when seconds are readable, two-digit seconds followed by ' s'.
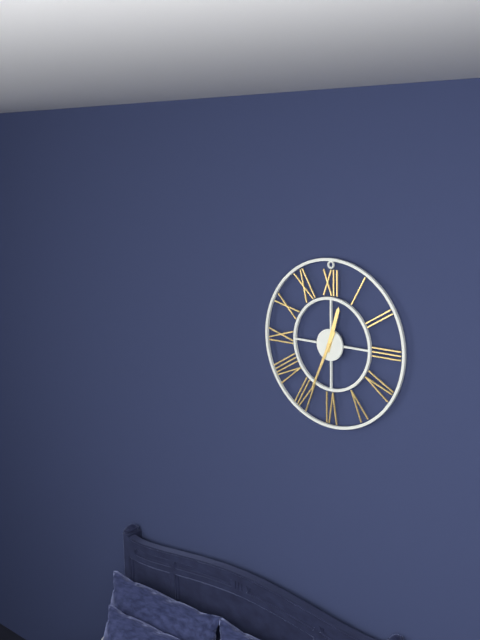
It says 12 h 34 min
